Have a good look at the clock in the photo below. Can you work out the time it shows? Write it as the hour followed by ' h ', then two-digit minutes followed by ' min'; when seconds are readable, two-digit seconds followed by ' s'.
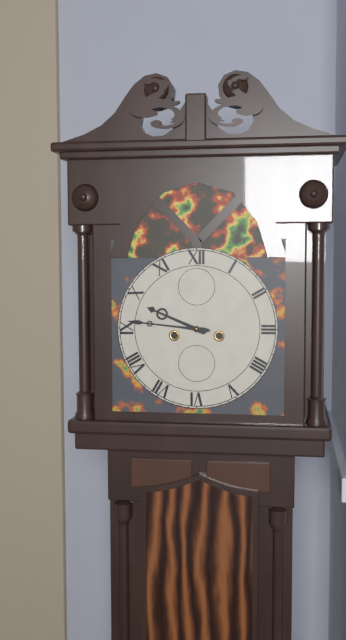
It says 9 h 46 min
